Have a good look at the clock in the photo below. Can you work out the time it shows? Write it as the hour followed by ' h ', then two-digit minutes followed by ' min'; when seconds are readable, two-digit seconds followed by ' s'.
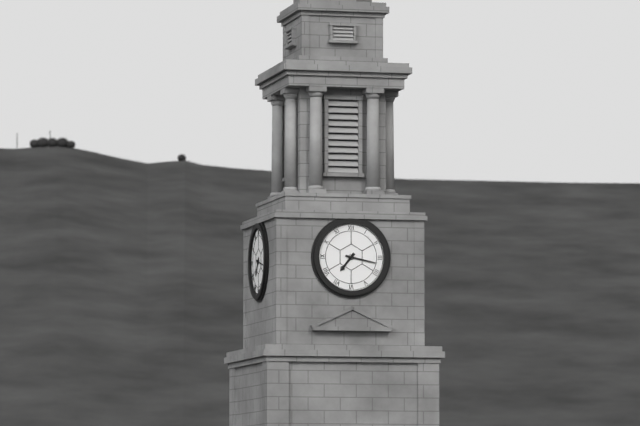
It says 7 h 17 min
